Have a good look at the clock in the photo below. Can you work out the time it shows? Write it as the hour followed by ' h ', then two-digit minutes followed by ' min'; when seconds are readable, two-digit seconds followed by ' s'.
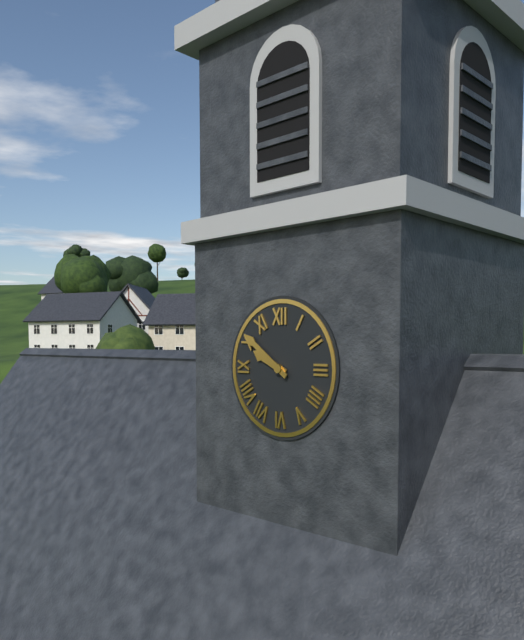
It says 9 h 51 min
